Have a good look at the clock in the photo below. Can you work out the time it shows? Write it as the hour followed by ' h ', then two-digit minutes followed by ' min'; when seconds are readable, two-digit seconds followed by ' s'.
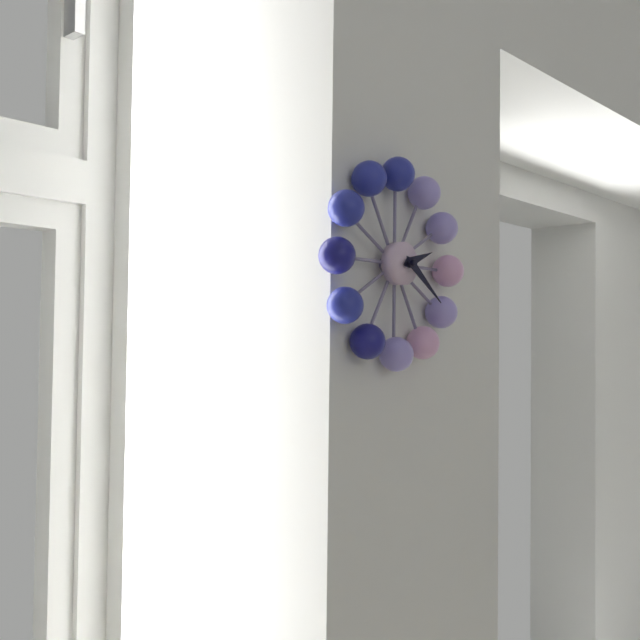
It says 2 h 21 min
